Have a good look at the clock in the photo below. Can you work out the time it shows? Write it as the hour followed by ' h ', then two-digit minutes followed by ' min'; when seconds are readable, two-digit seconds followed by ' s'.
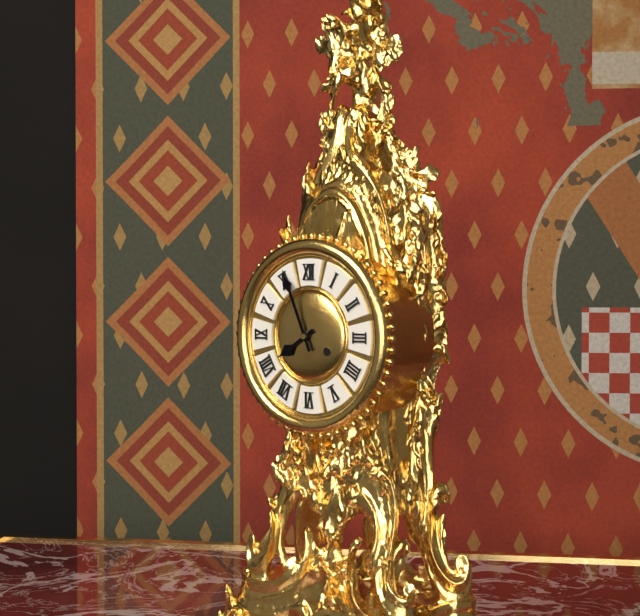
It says 7 h 56 min
